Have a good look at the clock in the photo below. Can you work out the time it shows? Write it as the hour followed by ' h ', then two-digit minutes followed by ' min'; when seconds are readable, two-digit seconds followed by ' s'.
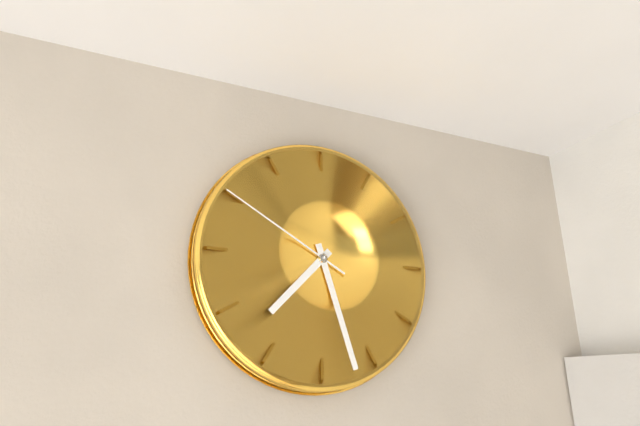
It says 7 h 27 min 50 s
